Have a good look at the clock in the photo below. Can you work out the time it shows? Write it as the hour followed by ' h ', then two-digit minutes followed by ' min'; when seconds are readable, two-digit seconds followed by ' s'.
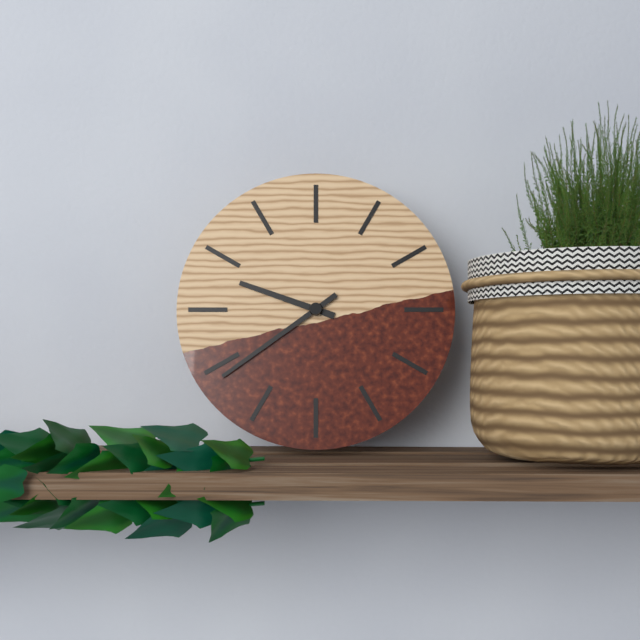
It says 9 h 39 min
